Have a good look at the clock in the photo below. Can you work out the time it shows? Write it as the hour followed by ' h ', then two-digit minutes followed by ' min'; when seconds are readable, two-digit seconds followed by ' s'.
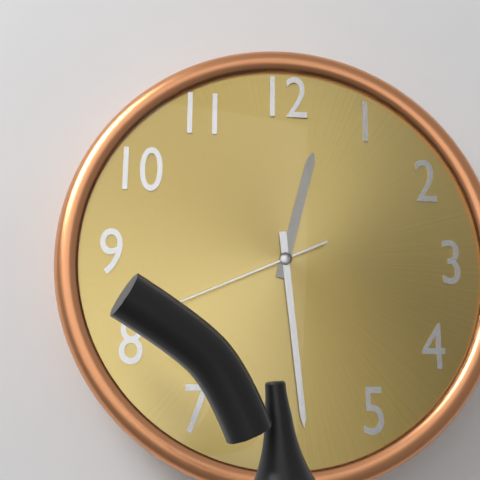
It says 12 h 29 min 41 s
